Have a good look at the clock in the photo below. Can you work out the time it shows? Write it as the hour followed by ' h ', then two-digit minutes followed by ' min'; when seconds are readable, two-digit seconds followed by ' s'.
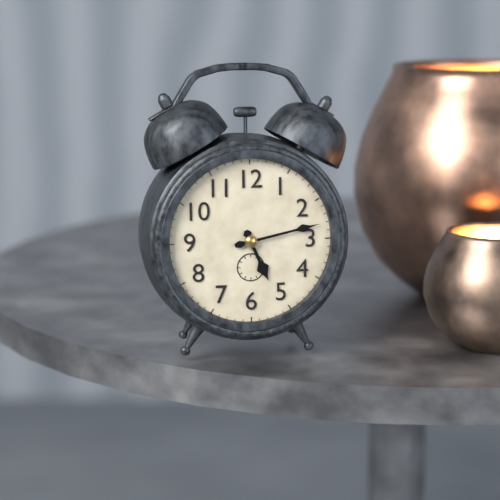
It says 5 h 13 min
